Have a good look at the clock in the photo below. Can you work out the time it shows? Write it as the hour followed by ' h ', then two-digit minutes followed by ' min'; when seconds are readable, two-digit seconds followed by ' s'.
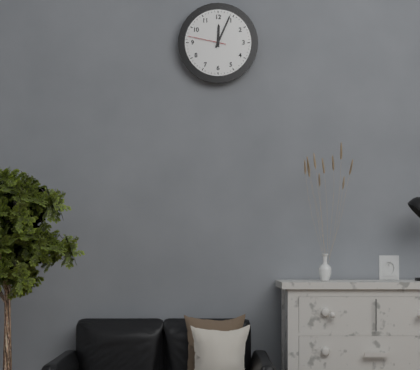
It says 12 h 04 min
